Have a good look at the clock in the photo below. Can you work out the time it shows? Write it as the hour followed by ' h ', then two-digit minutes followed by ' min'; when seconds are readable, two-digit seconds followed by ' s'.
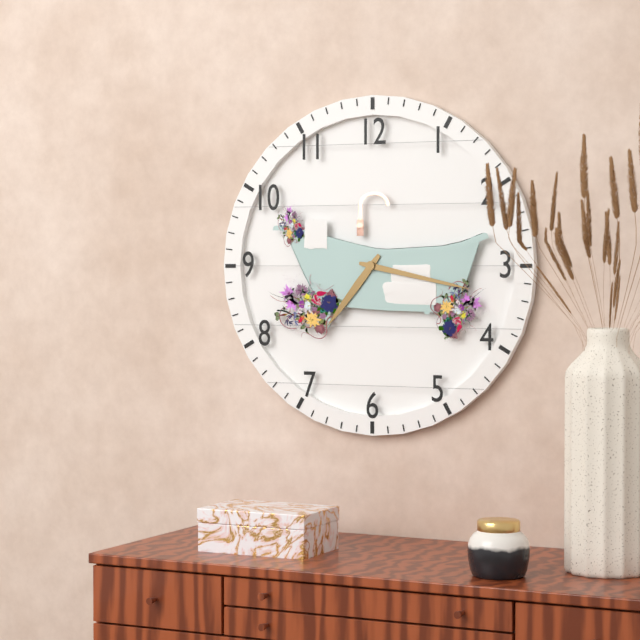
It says 7 h 17 min
